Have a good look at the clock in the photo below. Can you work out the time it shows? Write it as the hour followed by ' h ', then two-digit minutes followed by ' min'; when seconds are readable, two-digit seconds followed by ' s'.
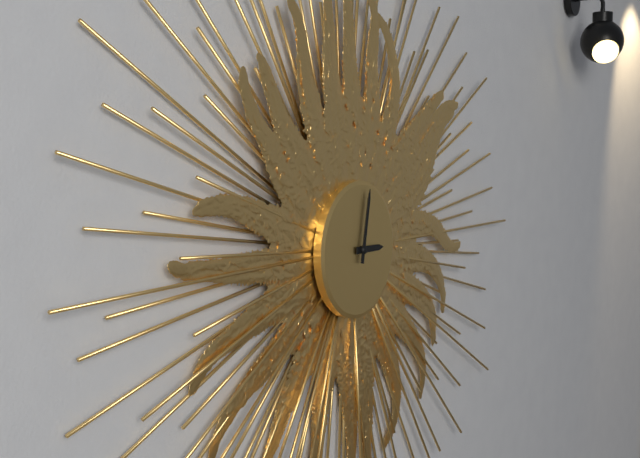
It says 3 h 02 min
